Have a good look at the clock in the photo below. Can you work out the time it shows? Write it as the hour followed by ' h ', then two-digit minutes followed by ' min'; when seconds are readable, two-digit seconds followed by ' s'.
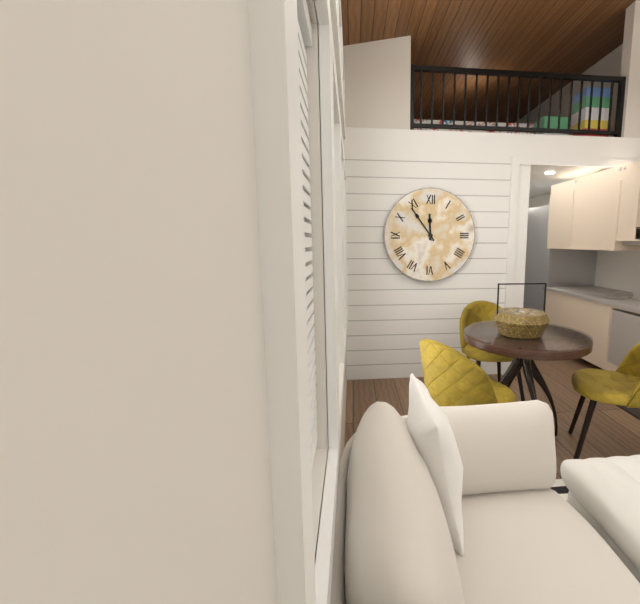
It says 11 h 54 min
